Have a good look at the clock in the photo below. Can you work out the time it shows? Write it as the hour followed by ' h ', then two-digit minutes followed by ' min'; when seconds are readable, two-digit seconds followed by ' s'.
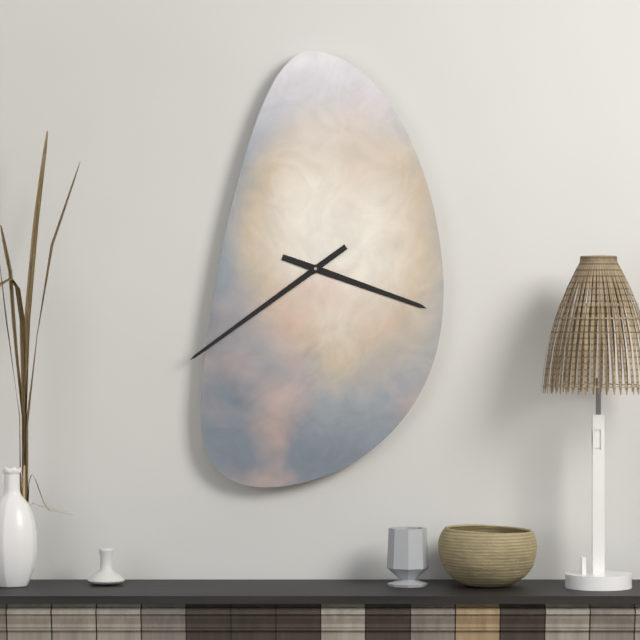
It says 3 h 39 min
